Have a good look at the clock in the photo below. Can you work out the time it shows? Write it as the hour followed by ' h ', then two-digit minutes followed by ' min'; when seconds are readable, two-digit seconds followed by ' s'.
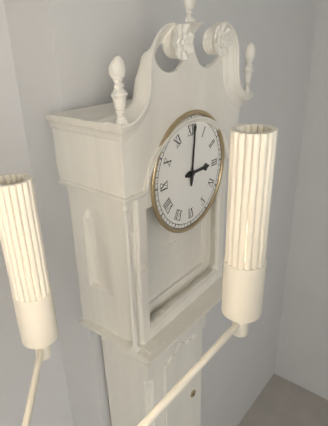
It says 3 h 01 min
